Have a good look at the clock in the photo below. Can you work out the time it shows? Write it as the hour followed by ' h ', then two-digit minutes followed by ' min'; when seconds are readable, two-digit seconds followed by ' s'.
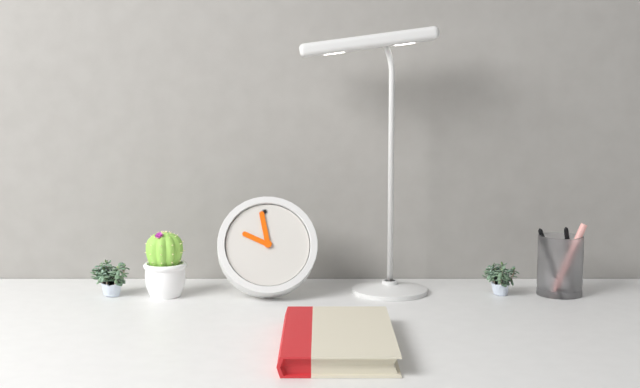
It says 9 h 59 min
